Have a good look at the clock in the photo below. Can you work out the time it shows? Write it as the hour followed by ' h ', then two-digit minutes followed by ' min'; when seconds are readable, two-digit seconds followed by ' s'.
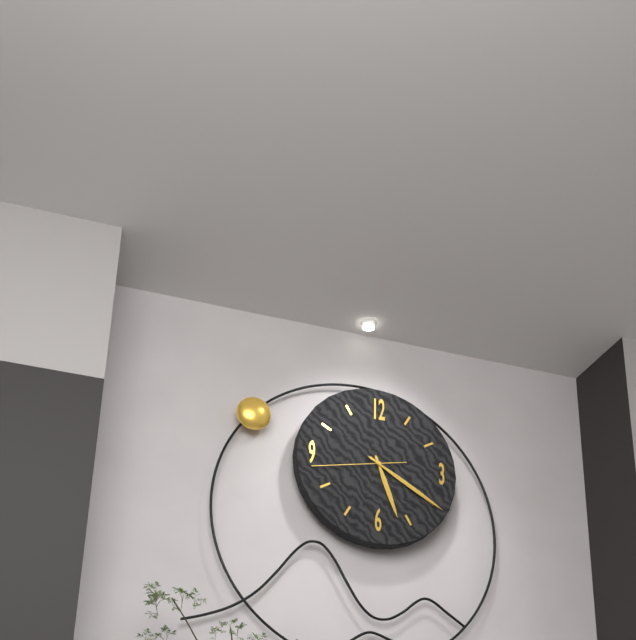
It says 5 h 20 min 43 s
